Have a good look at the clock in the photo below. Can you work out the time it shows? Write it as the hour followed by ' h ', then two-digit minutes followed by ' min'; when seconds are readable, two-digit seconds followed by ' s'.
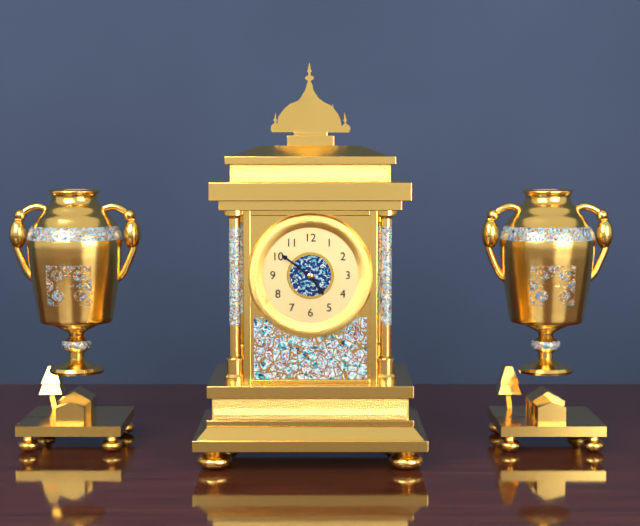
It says 4 h 51 min
